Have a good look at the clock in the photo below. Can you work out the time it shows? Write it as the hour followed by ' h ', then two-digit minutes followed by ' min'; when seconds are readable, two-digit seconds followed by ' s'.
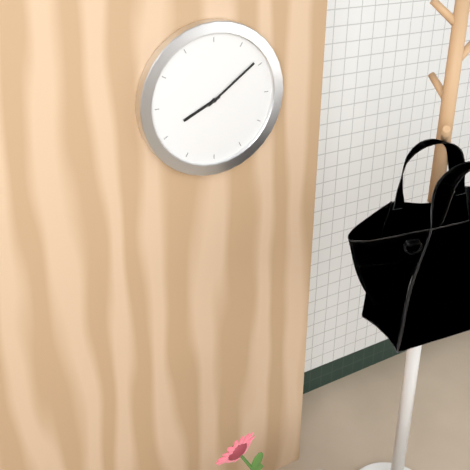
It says 8 h 09 min
